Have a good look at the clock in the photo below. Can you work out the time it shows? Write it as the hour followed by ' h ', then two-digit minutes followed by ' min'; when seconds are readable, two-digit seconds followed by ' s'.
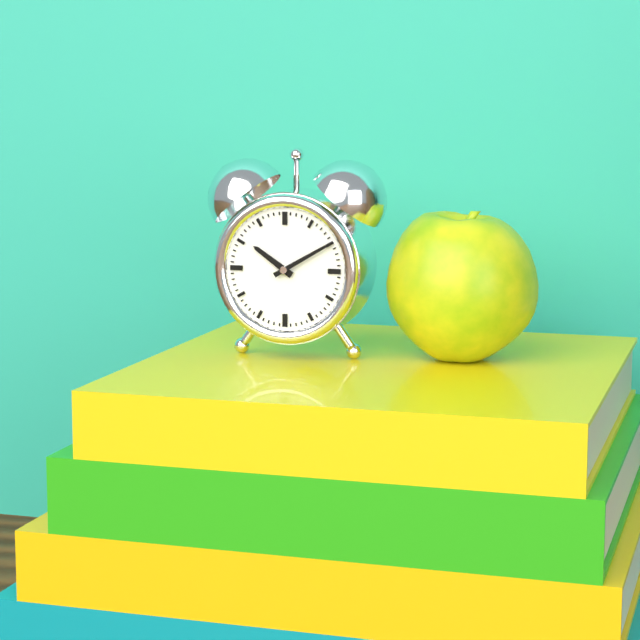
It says 10 h 10 min
